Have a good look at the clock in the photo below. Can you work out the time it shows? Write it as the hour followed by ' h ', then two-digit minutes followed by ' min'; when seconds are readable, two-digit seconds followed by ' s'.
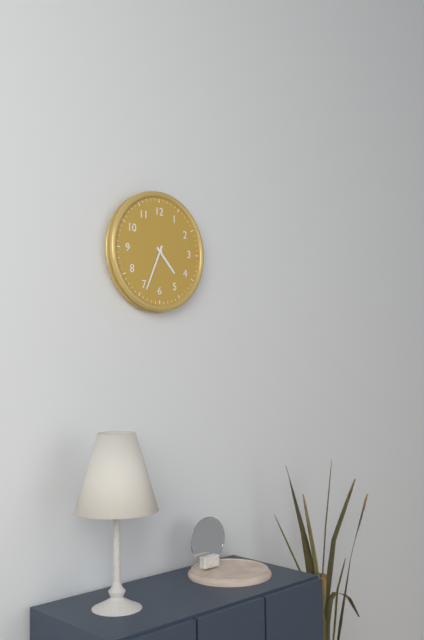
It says 4 h 34 min
